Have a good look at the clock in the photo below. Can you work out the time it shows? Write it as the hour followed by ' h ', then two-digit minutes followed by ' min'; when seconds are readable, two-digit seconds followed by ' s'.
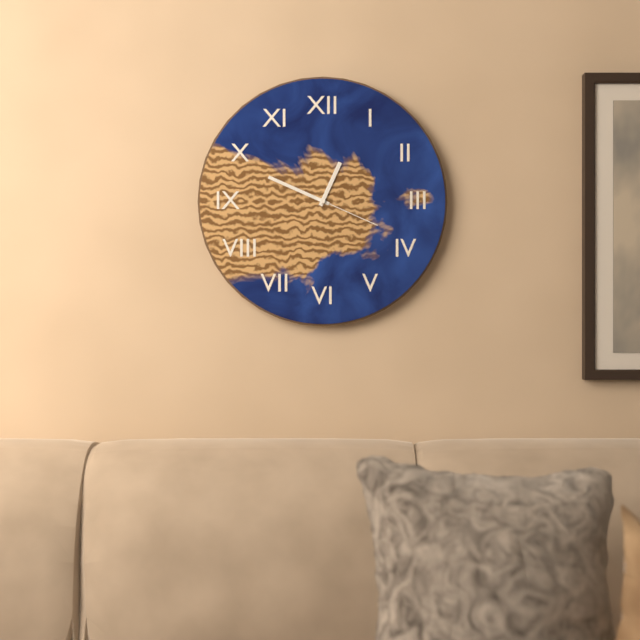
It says 12 h 49 min 19 s
